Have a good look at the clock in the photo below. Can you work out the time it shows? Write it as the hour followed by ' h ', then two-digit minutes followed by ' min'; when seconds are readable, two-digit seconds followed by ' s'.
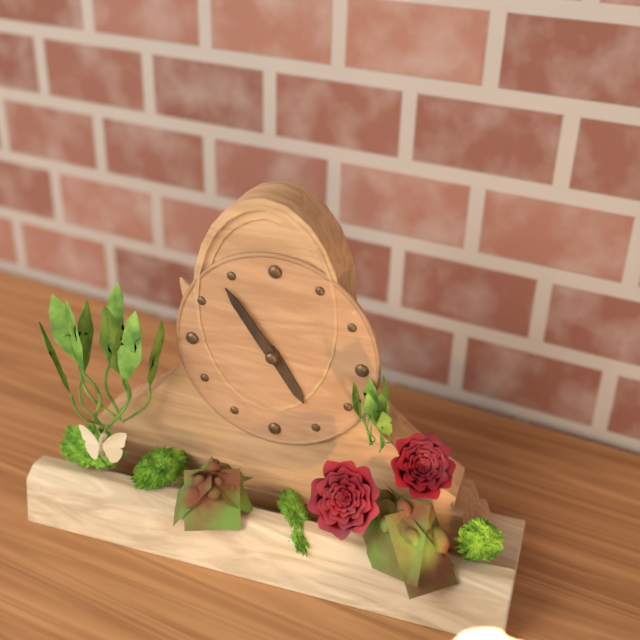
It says 4 h 54 min
